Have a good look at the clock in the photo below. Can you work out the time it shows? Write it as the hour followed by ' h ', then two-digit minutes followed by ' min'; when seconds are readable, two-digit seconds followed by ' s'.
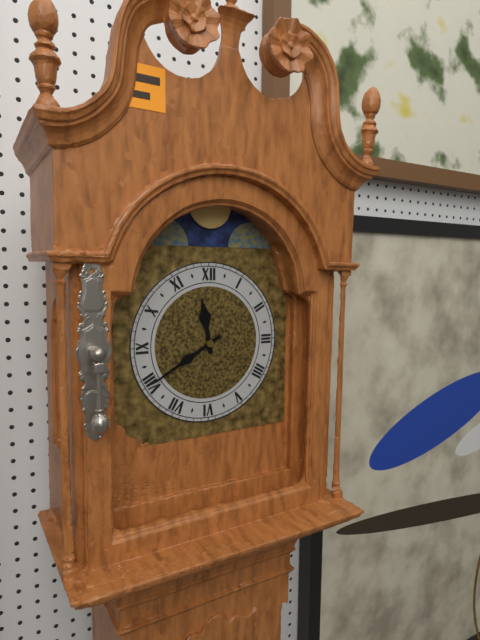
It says 11 h 40 min
